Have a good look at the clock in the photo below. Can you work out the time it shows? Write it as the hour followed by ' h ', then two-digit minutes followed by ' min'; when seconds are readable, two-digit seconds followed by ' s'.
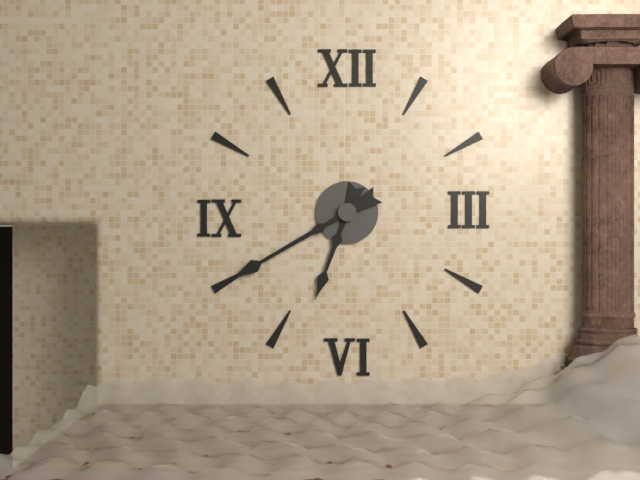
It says 6 h 40 min
